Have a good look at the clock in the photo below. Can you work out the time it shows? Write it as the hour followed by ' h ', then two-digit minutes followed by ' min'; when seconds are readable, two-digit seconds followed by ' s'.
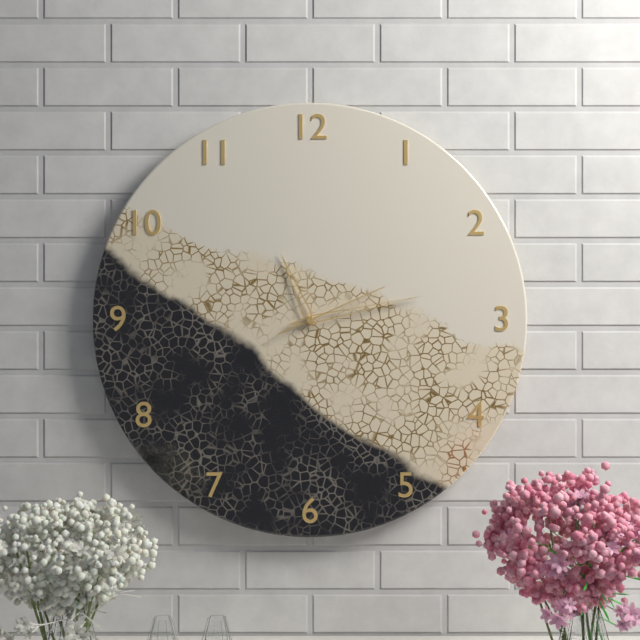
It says 11 h 13 min 11 s
